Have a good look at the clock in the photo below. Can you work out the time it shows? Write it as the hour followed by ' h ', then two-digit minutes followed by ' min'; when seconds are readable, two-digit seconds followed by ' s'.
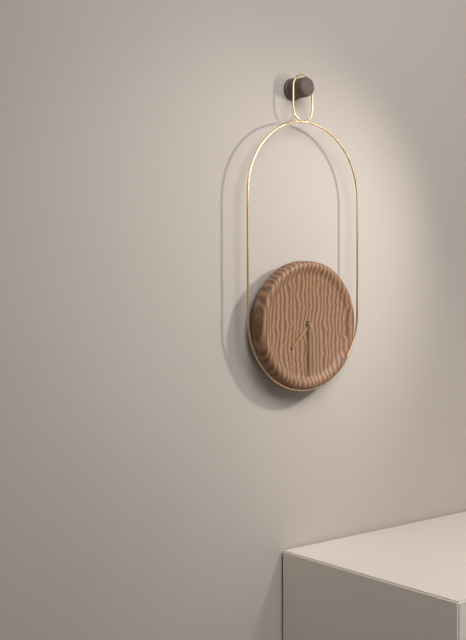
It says 7 h 30 min
